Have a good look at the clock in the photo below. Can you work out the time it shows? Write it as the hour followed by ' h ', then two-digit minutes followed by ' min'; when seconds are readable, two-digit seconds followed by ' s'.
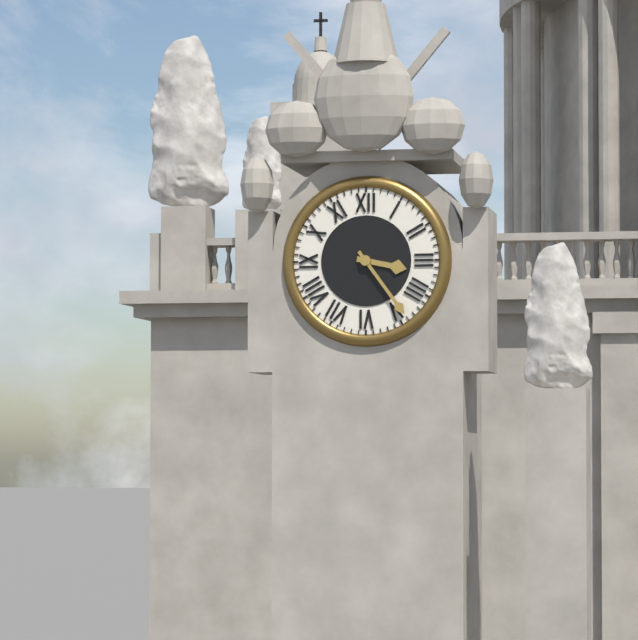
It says 3 h 24 min
